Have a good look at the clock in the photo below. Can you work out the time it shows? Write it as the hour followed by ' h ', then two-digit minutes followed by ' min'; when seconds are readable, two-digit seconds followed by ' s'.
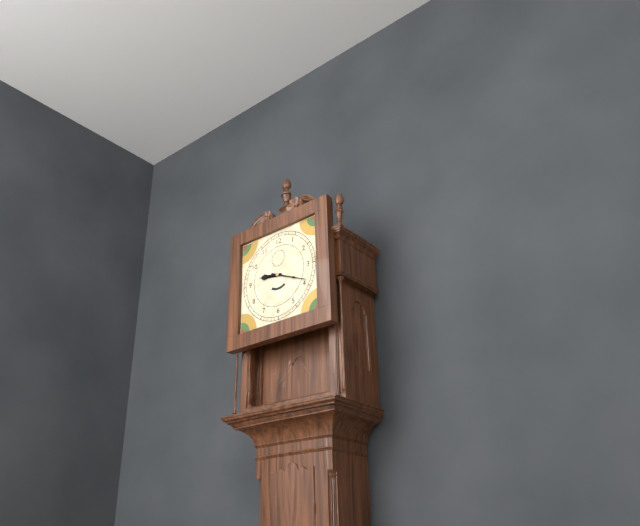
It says 9 h 19 min
